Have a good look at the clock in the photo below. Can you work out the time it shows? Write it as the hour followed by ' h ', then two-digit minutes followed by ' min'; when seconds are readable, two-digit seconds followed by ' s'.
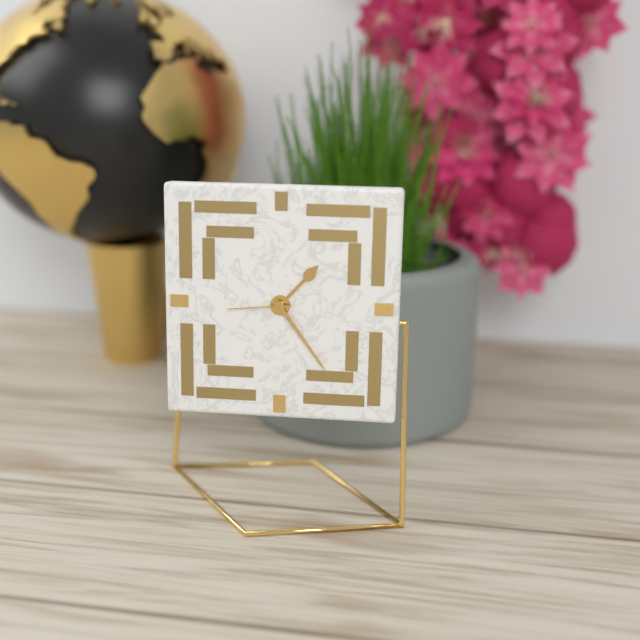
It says 1 h 24 min 44 s
